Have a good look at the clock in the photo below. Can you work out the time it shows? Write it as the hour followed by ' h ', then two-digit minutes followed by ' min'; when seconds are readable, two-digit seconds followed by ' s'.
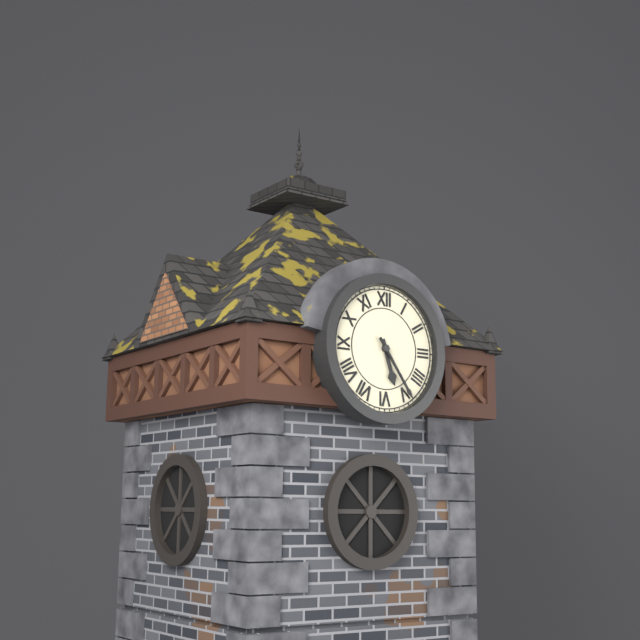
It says 5 h 24 min
